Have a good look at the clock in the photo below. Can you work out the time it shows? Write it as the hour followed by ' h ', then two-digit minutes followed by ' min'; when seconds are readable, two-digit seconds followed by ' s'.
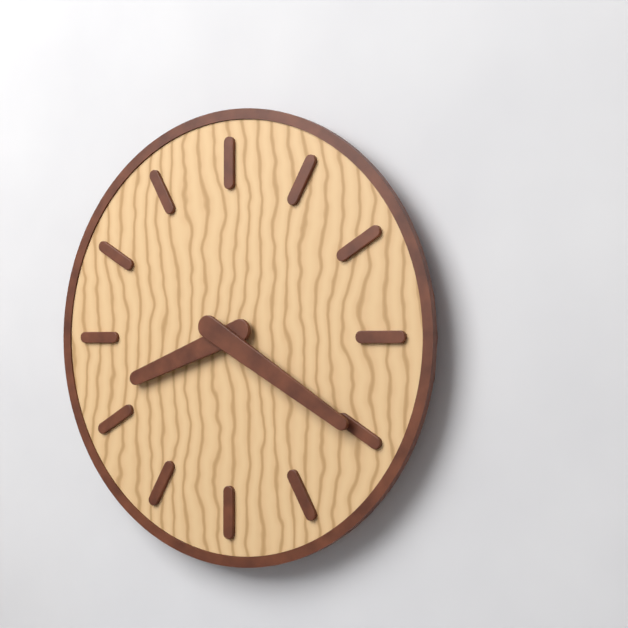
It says 8 h 20 min
